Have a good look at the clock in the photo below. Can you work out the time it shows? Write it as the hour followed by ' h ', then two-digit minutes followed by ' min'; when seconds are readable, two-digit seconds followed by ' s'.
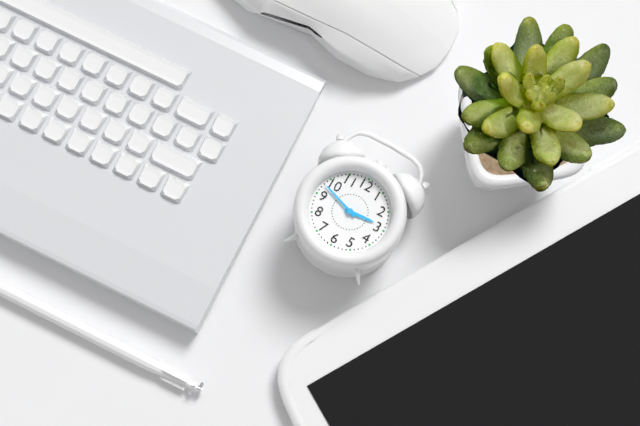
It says 2 h 48 min
